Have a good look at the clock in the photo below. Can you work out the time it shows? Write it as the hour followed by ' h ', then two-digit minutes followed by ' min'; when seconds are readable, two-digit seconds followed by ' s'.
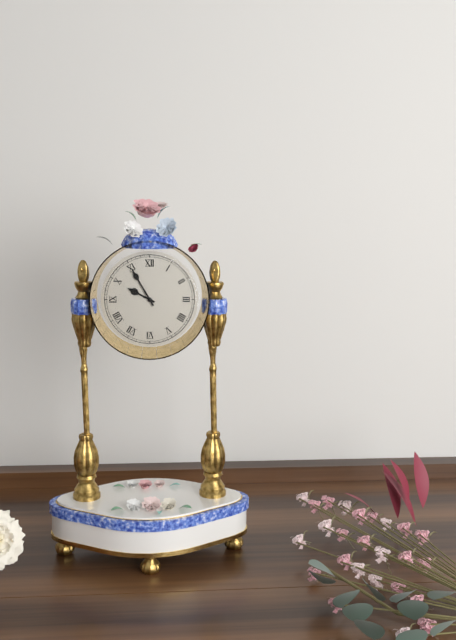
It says 9 h 55 min
